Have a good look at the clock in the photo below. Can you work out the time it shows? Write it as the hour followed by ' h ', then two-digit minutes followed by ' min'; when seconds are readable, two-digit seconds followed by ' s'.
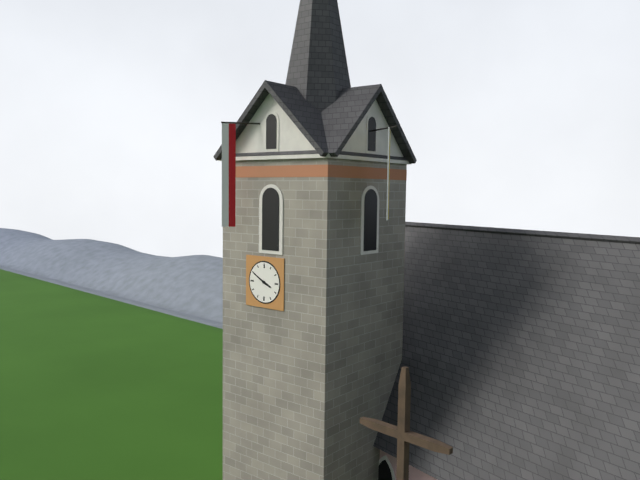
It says 3 h 50 min
